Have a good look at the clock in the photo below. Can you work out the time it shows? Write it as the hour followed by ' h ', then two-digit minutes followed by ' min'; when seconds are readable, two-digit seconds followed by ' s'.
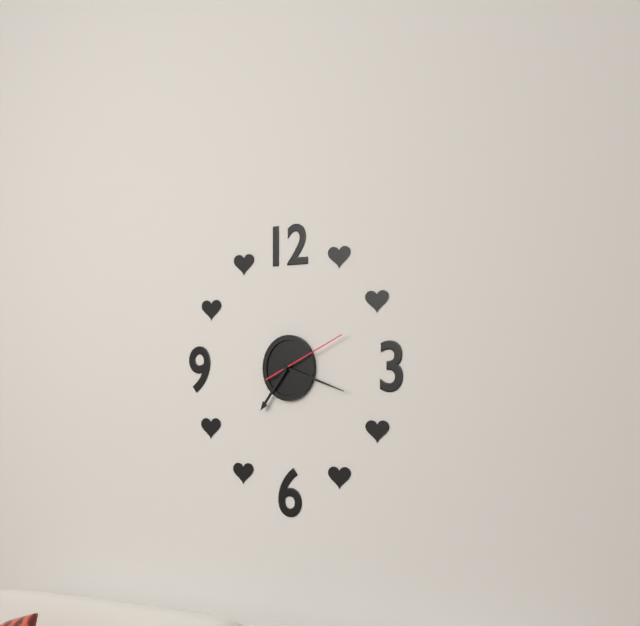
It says 7 h 18 min 11 s
